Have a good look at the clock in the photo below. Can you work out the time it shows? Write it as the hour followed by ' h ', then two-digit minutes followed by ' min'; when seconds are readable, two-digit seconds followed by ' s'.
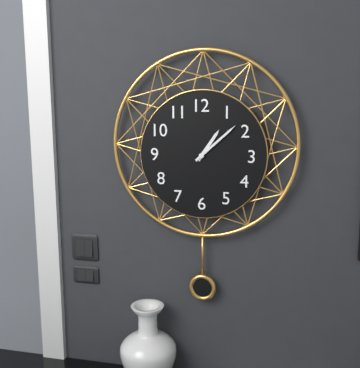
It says 1 h 08 min
